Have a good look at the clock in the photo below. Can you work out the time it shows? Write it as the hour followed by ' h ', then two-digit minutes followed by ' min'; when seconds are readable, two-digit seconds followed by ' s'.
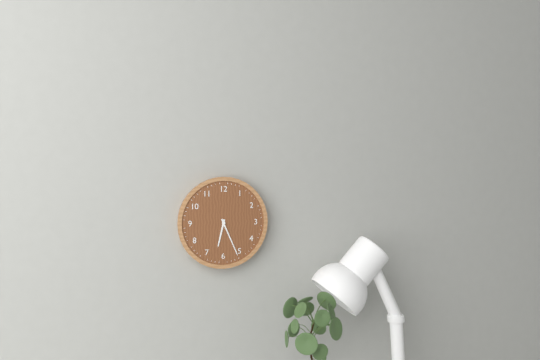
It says 6 h 26 min
